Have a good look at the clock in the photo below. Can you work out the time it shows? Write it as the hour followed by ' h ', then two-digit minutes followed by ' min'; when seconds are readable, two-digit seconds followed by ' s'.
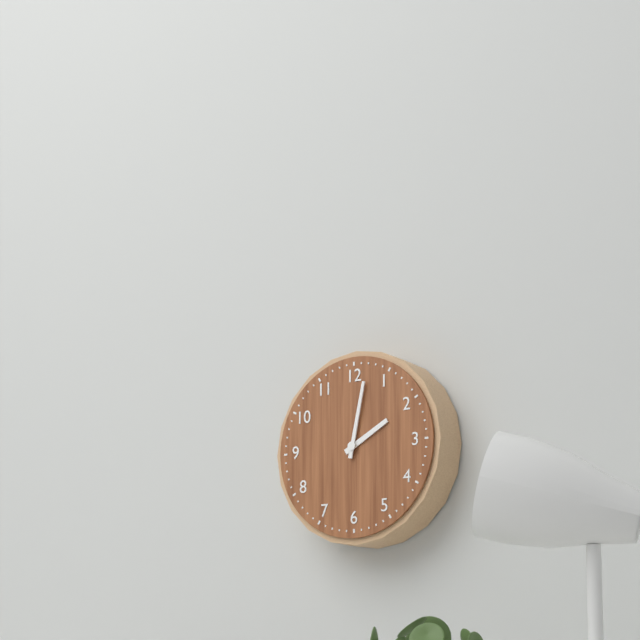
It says 2 h 02 min
